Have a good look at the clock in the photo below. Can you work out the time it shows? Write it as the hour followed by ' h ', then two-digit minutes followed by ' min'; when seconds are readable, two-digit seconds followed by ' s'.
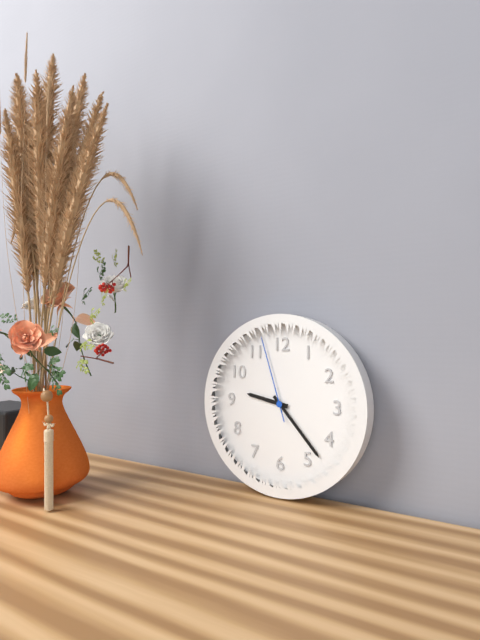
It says 9 h 23 min 57 s
